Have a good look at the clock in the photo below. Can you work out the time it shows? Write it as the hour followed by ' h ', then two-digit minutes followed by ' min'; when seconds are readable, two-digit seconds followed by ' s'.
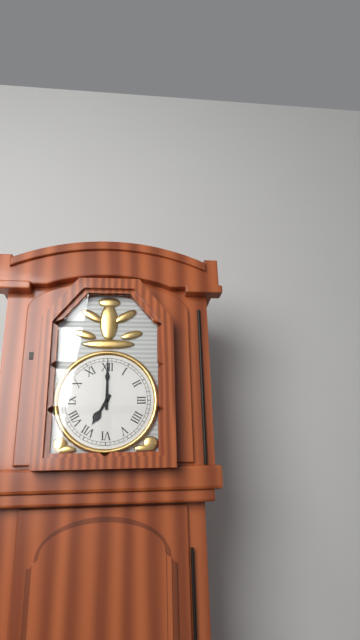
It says 7 h 00 min
